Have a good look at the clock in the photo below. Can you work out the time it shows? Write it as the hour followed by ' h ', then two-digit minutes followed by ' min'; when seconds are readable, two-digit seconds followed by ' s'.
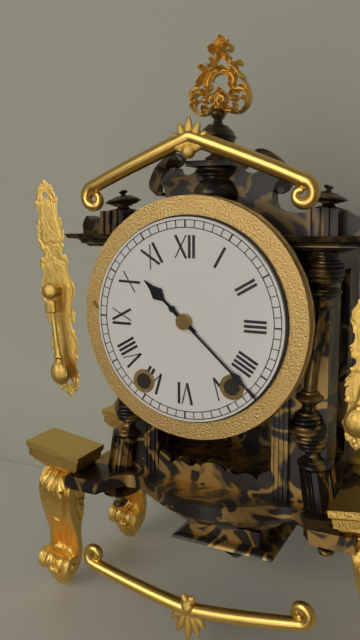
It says 10 h 22 min
